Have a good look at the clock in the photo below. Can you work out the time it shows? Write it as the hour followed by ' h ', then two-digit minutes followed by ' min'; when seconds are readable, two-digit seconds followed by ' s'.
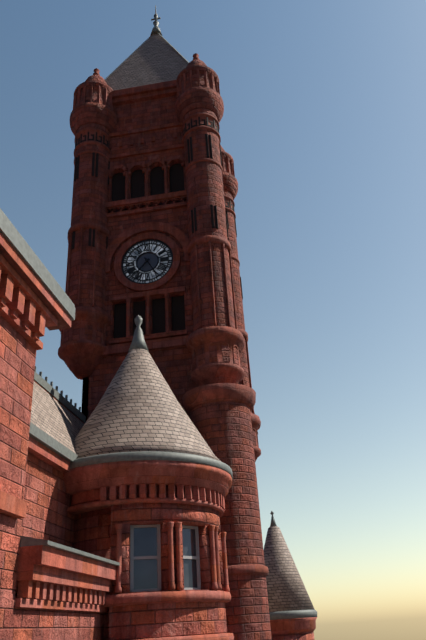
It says 7 h 25 min
